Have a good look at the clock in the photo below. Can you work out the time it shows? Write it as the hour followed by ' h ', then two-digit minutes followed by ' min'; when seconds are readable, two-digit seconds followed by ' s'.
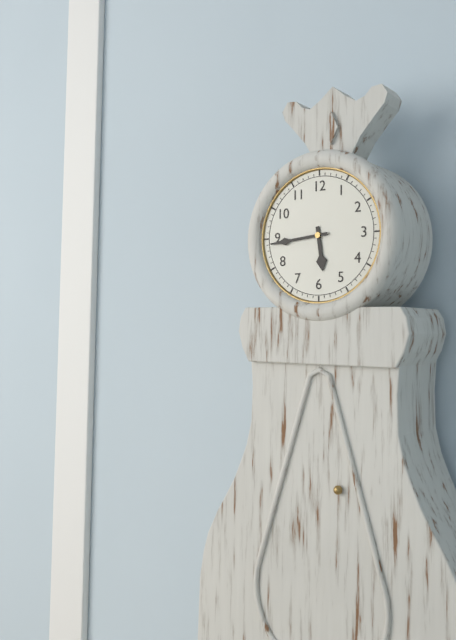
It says 5 h 44 min
